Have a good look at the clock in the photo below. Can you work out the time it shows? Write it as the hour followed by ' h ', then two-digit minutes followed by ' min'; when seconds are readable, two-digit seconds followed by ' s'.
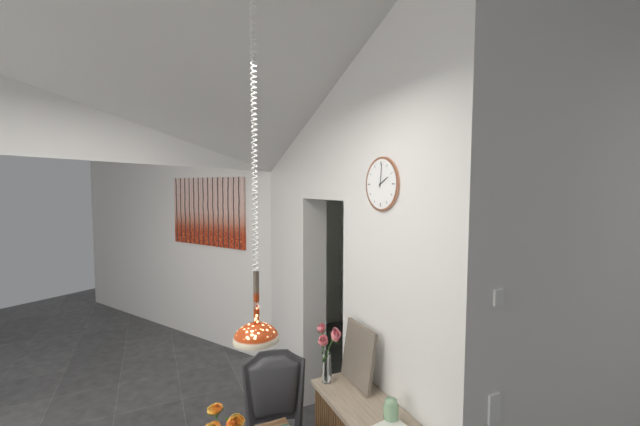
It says 2 h 01 min
